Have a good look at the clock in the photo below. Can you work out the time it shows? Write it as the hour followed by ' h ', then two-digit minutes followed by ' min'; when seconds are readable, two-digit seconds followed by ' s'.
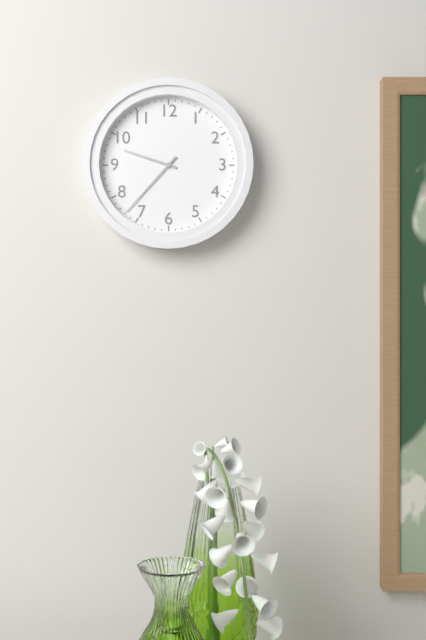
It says 9 h 37 min
